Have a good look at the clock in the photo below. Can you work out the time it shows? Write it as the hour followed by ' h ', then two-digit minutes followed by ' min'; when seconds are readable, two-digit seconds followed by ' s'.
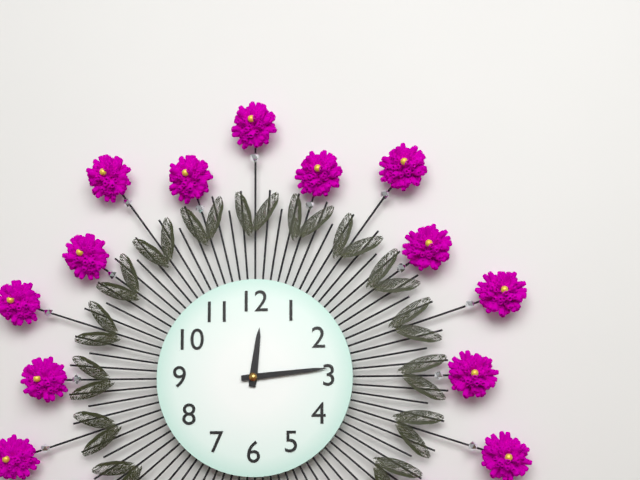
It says 12 h 14 min
